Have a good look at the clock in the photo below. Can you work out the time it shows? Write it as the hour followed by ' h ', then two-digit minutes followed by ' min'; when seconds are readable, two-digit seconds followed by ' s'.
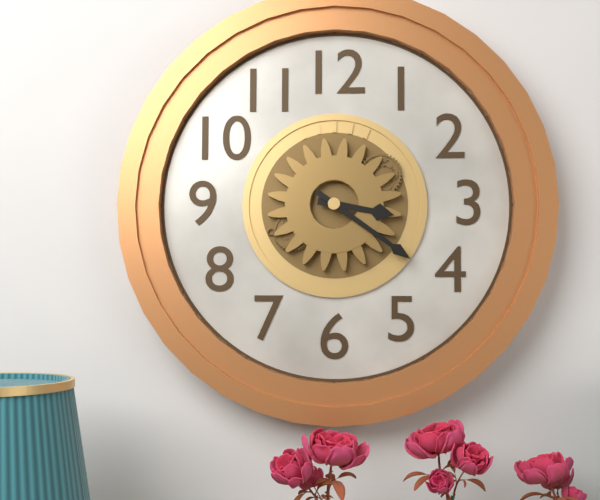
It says 3 h 21 min
